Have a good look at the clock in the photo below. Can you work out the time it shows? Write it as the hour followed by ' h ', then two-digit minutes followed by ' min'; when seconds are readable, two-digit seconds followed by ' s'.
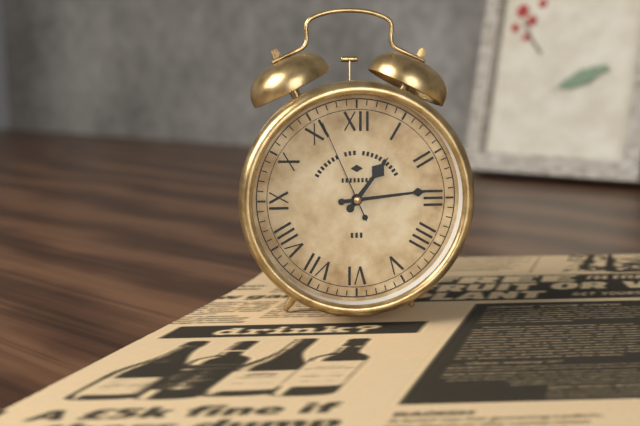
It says 1 h 14 min 56 s
